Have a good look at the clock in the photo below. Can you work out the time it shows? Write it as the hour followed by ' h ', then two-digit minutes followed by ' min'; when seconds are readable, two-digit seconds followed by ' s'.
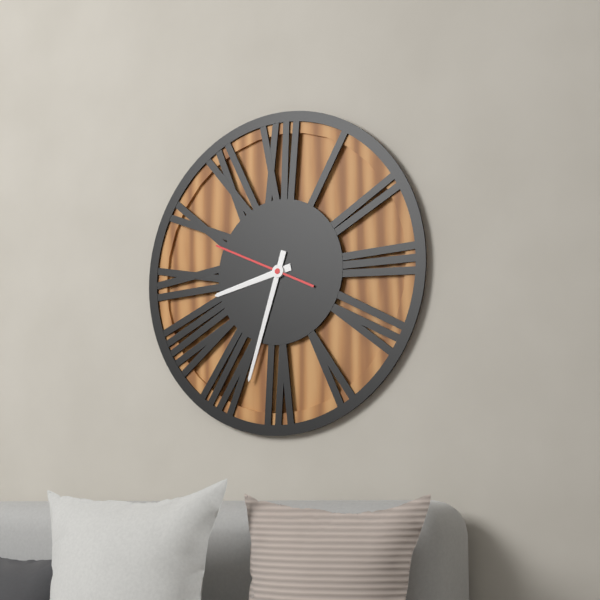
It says 8 h 33 min 49 s
